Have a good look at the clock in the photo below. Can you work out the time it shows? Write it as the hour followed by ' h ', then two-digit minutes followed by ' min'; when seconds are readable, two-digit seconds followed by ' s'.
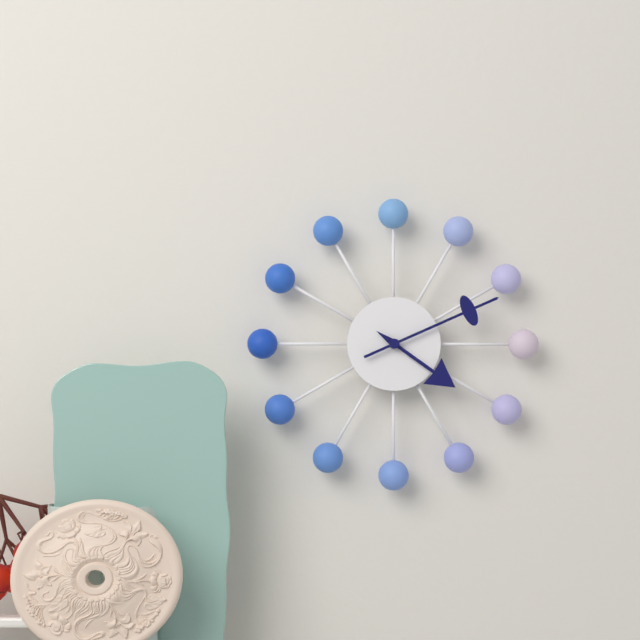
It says 4 h 11 min
